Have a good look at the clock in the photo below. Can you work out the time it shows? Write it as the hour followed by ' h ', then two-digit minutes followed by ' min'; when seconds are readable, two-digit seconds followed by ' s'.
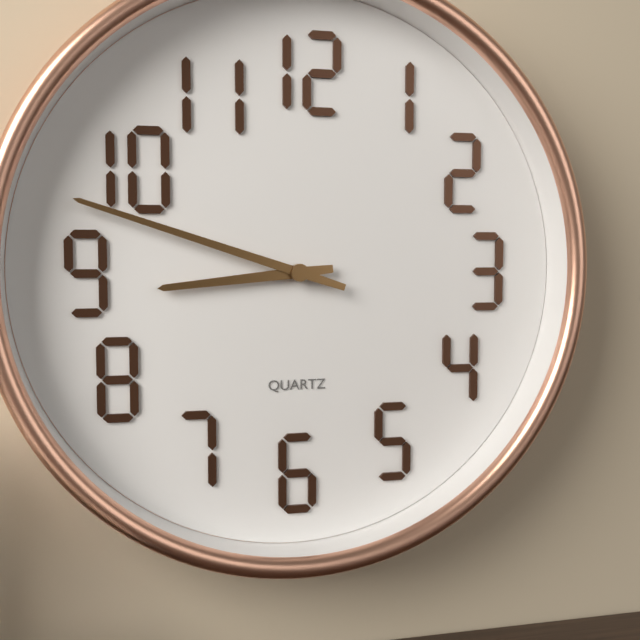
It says 8 h 48 min
